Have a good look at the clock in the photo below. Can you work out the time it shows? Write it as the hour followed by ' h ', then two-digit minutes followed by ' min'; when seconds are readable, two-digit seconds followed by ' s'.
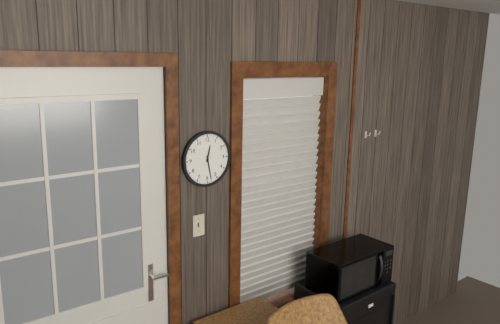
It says 12 h 28 min
